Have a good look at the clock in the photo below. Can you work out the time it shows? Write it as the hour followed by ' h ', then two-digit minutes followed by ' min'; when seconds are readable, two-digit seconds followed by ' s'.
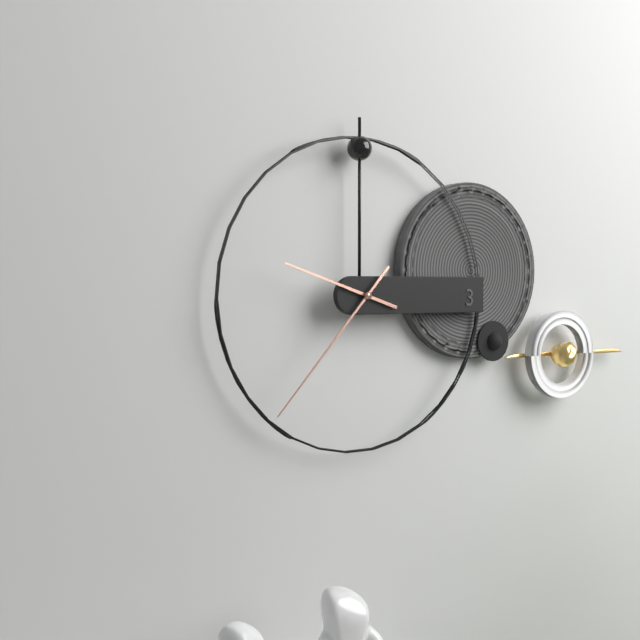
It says 9 h 37 min
